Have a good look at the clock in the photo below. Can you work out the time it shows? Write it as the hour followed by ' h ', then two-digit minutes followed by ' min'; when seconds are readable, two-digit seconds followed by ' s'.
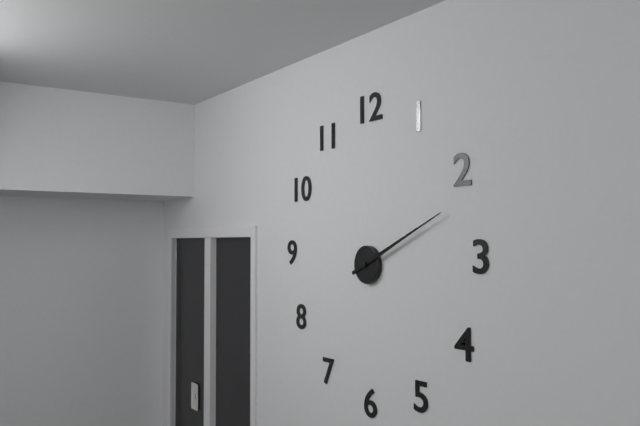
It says 2 h 11 min
